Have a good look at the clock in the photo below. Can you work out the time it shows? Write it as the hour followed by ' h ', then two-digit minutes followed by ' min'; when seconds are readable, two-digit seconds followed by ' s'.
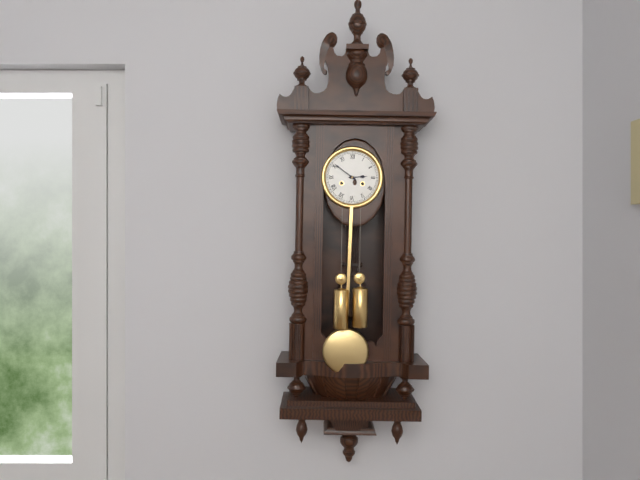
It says 2 h 51 min
